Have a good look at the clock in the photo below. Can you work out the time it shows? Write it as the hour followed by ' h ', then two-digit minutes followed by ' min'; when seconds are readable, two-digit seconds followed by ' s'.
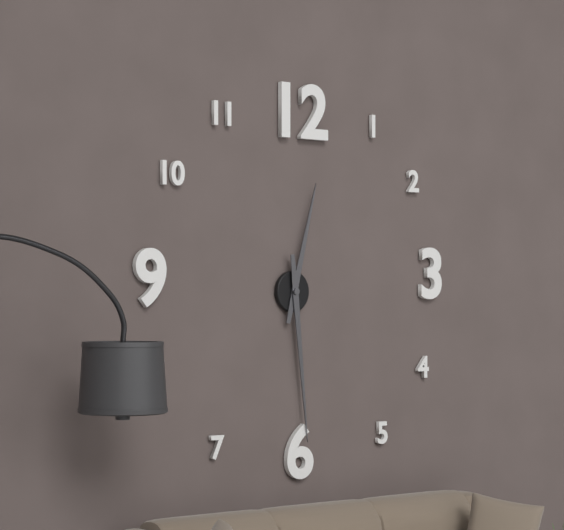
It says 12 h 29 min
